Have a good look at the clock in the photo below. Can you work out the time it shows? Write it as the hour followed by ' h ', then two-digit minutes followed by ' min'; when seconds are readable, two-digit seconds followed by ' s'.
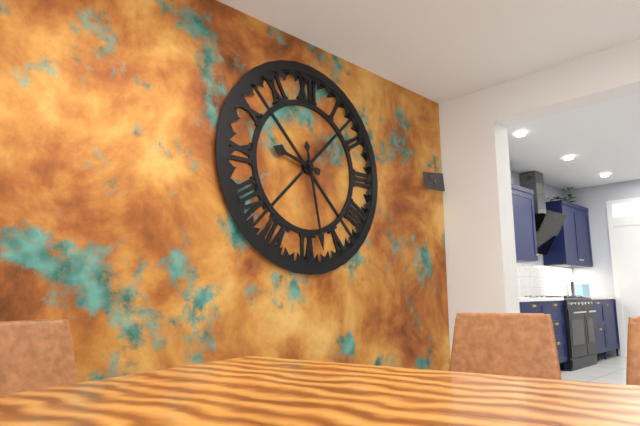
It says 9 h 28 min
